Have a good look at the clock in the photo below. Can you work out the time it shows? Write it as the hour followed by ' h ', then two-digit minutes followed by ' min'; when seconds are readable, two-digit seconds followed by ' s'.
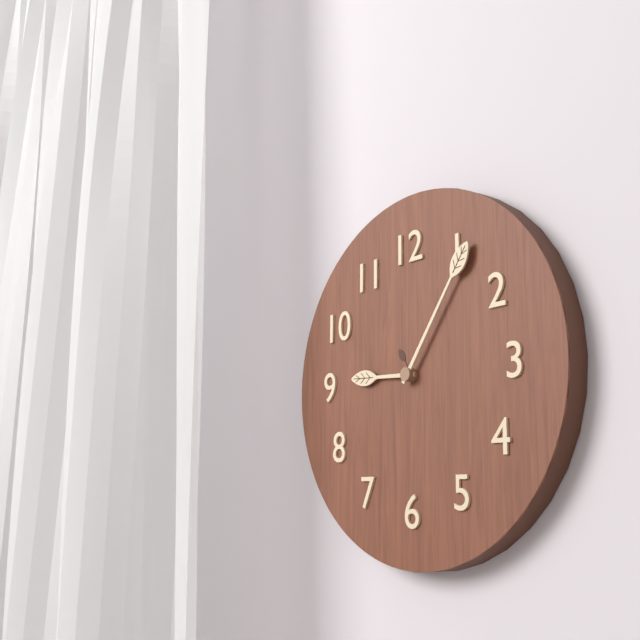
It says 9 h 06 min
